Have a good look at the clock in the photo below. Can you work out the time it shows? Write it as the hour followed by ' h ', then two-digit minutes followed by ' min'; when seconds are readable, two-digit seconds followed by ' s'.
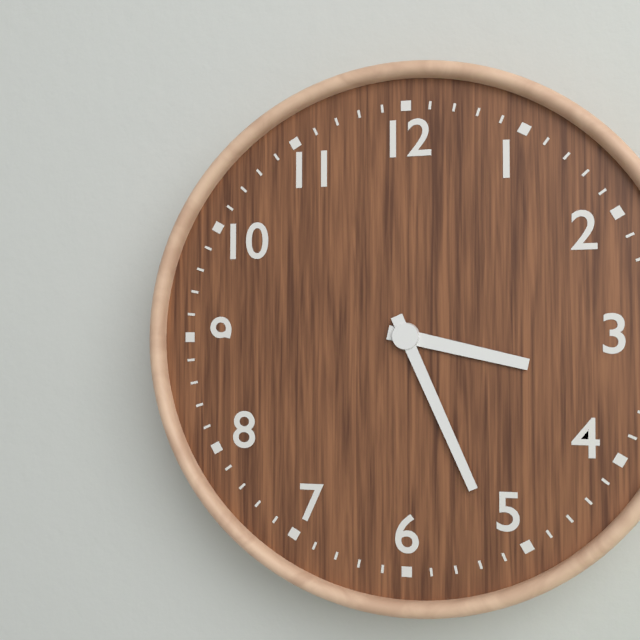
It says 3 h 26 min
